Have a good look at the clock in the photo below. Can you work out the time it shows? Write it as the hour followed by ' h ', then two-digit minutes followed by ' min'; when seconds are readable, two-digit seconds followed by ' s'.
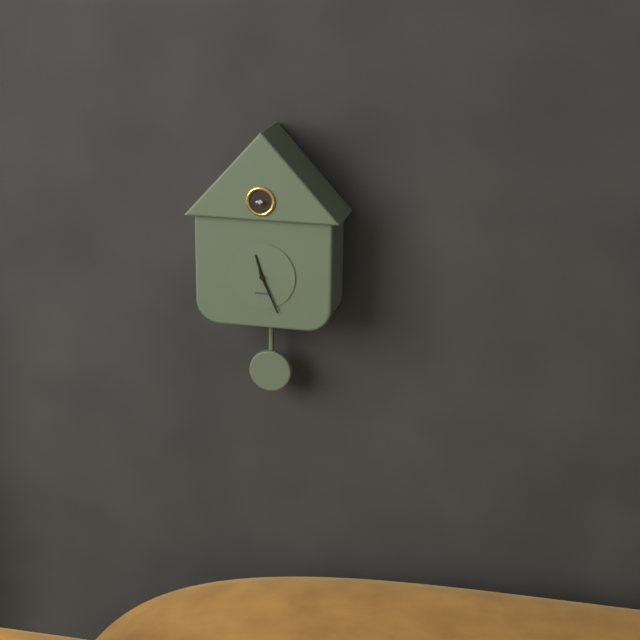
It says 11 h 26 min
